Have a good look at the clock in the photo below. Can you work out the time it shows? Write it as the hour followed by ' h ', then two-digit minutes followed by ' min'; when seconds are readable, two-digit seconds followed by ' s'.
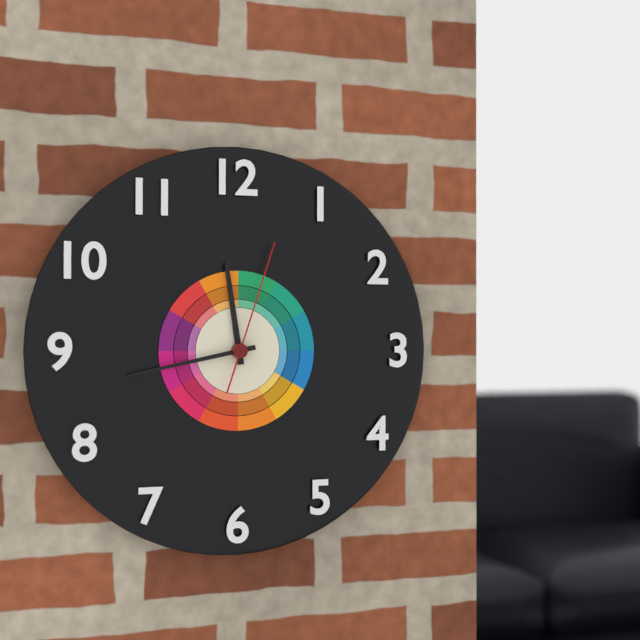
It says 11 h 43 min 03 s
